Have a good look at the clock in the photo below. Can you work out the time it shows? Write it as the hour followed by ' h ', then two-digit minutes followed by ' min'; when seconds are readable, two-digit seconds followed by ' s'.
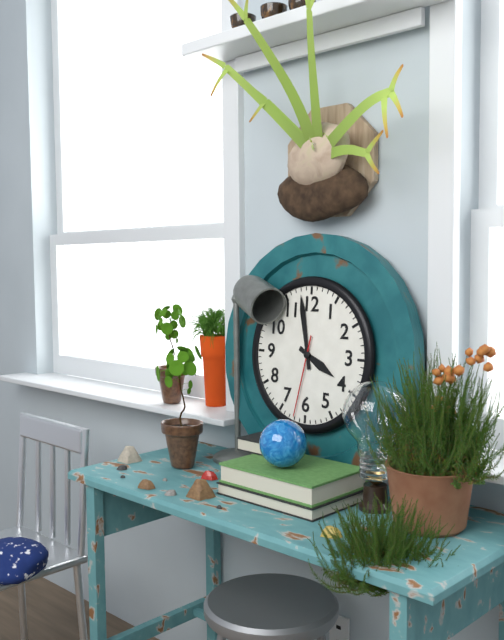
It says 3 h 58 min 32 s
